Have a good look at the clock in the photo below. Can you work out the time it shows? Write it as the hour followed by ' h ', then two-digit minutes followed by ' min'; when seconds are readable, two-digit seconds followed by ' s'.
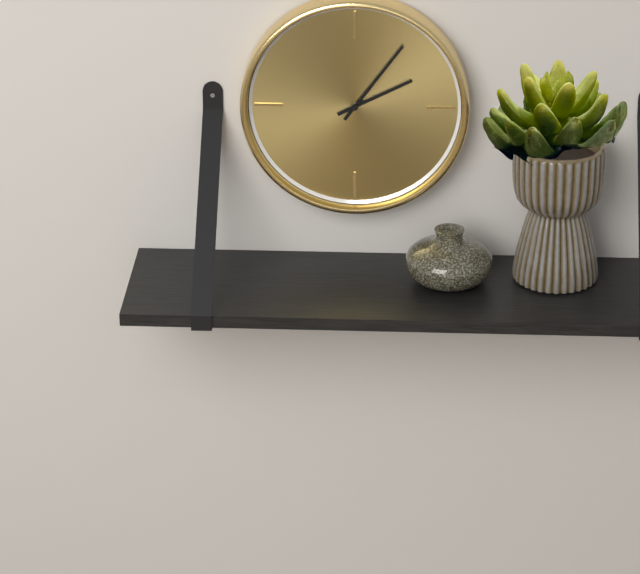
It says 2 h 06 min
